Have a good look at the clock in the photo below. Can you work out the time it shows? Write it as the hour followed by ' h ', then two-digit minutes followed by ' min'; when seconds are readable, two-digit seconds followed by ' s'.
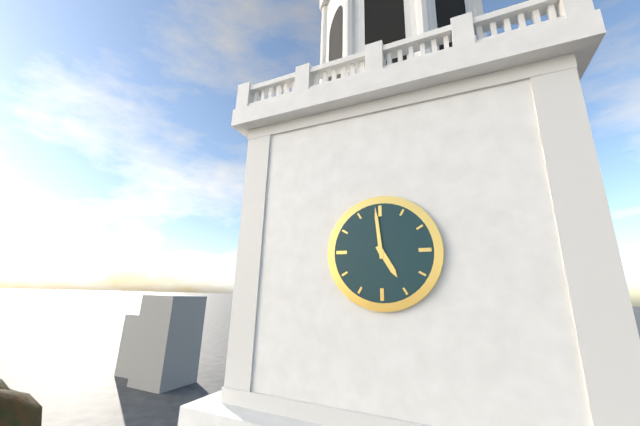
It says 4 h 59 min
